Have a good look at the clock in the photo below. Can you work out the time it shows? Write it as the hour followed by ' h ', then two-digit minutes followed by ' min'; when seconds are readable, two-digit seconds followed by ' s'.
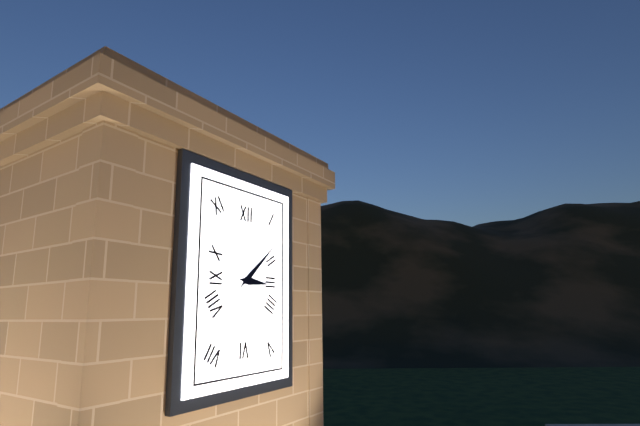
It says 3 h 08 min
